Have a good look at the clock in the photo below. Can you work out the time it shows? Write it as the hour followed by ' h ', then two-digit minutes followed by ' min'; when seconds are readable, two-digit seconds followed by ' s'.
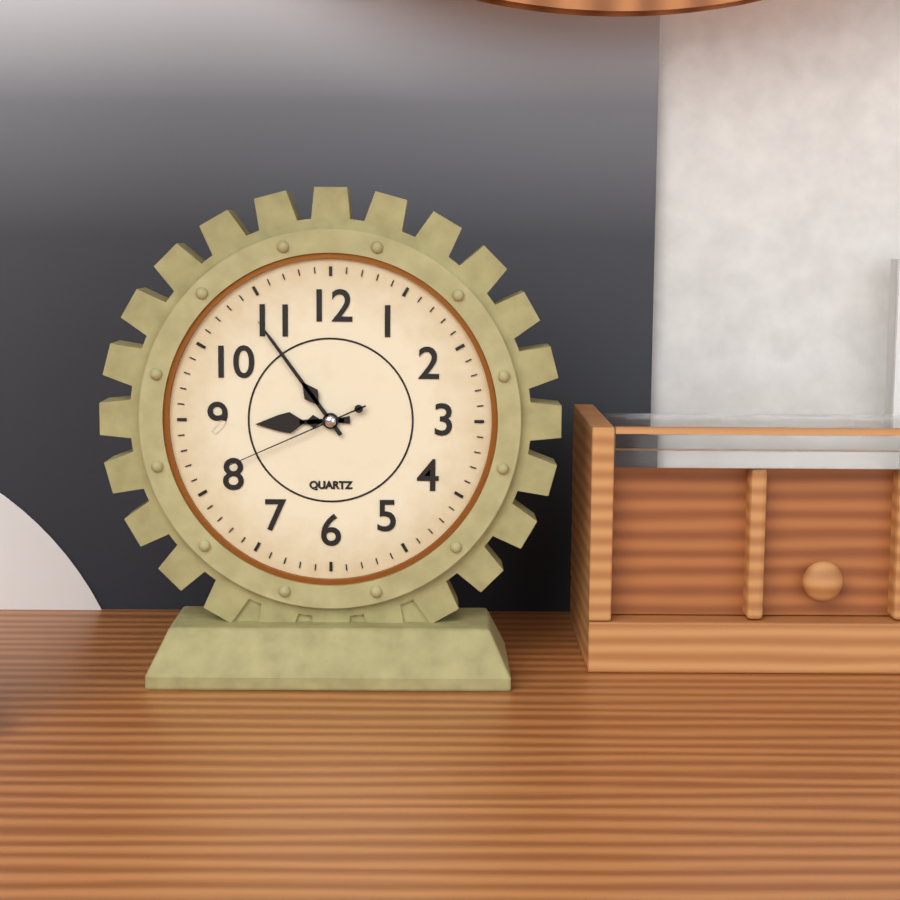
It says 8 h 54 min 41 s
